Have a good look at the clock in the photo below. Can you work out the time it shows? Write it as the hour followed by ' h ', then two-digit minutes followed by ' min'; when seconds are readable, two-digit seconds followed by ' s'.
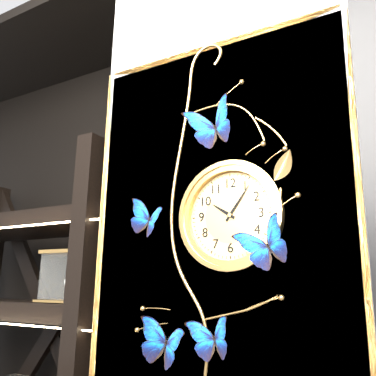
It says 10 h 06 min
